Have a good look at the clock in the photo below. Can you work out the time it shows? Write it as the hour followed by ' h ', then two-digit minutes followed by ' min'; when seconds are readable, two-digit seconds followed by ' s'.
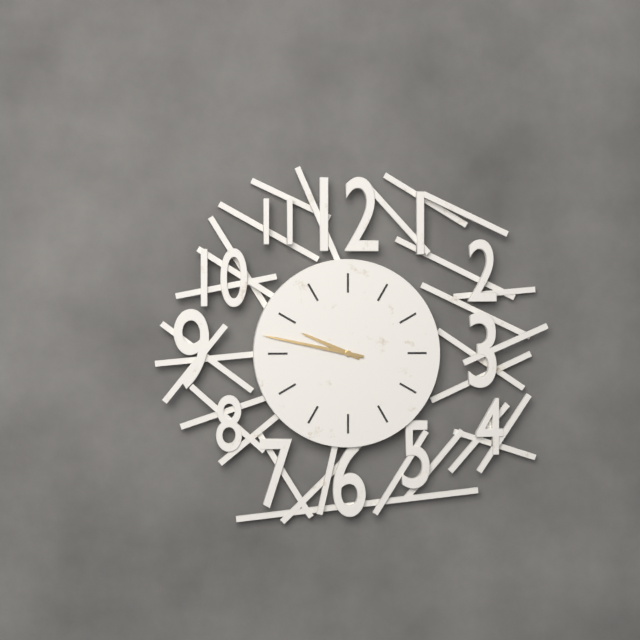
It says 9 h 47 min
